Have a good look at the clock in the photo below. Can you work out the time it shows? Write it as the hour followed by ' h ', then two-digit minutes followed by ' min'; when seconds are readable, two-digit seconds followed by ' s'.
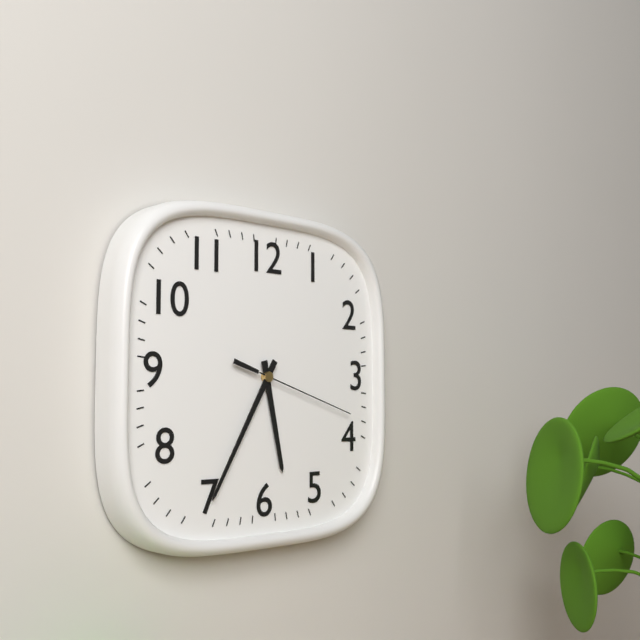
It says 5 h 35 min 18 s
